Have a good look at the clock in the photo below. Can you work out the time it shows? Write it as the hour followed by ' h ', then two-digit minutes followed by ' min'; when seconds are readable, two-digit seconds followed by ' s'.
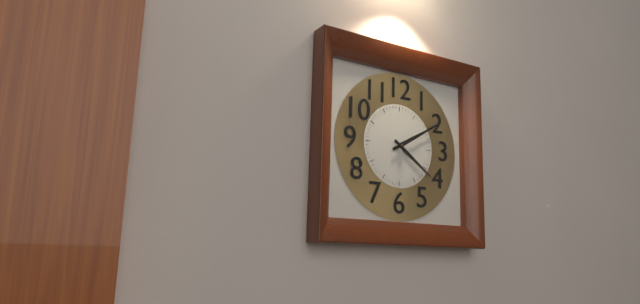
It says 4 h 10 min
